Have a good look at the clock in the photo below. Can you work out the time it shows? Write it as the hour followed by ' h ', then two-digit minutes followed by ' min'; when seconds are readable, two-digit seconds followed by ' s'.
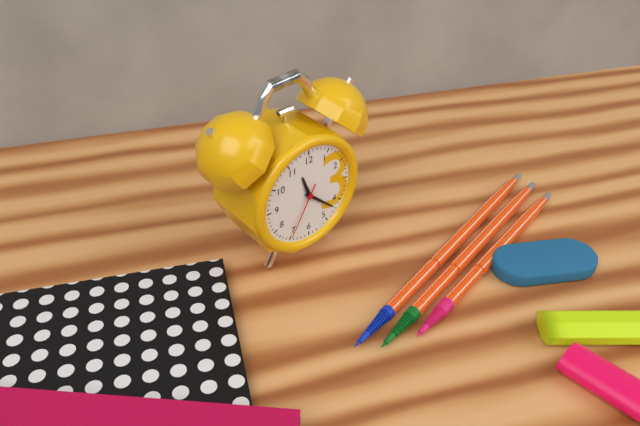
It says 11 h 22 min 35 s
